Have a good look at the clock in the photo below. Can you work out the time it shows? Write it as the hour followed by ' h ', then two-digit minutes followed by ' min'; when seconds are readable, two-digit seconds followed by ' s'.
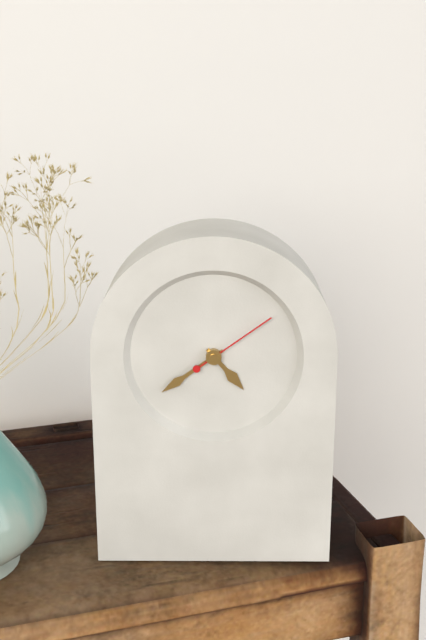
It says 4 h 39 min 09 s
